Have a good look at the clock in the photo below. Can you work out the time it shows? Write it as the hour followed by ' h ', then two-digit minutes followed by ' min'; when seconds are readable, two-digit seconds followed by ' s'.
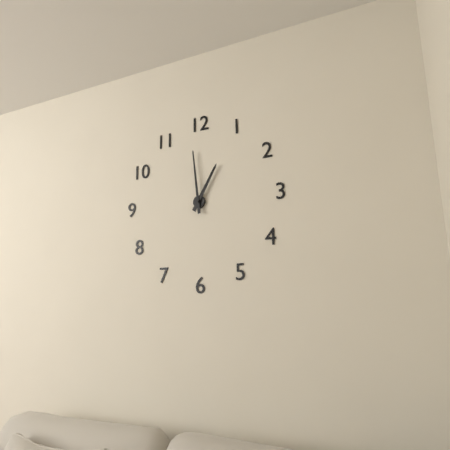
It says 12 h 59 min
